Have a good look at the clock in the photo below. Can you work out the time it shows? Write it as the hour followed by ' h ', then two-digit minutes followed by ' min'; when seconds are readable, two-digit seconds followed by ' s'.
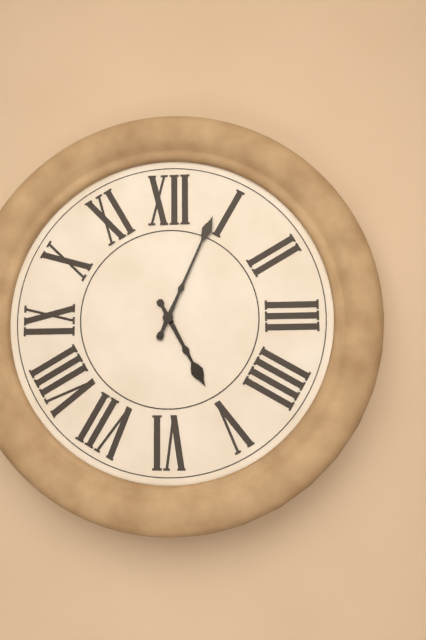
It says 5 h 04 min
